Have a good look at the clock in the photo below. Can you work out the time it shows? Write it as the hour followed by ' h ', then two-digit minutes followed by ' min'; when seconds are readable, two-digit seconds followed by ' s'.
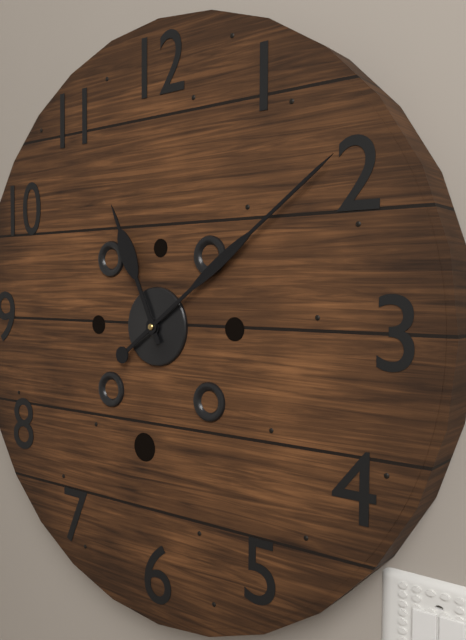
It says 11 h 09 min
